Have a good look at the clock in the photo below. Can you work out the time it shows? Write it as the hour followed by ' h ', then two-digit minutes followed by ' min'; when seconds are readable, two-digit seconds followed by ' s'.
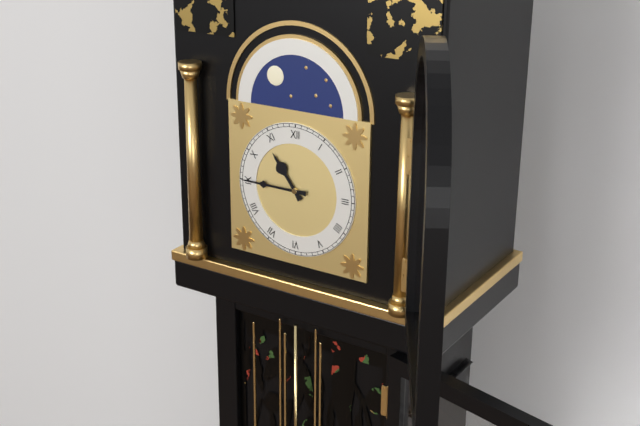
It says 10 h 45 min
